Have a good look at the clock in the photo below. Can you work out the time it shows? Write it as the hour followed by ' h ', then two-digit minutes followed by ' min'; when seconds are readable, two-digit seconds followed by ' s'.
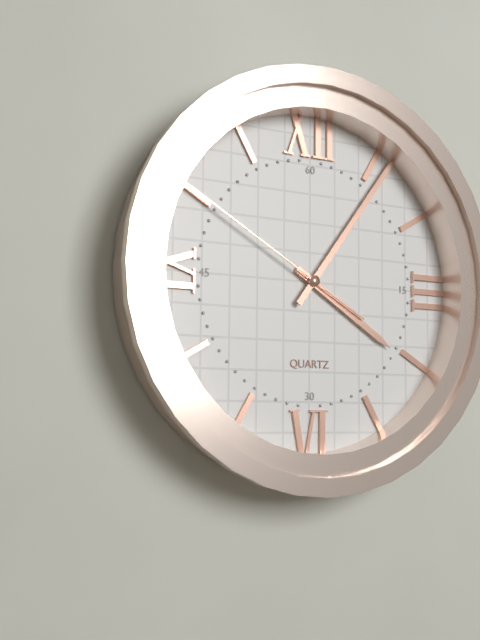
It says 4 h 06 min 50 s
